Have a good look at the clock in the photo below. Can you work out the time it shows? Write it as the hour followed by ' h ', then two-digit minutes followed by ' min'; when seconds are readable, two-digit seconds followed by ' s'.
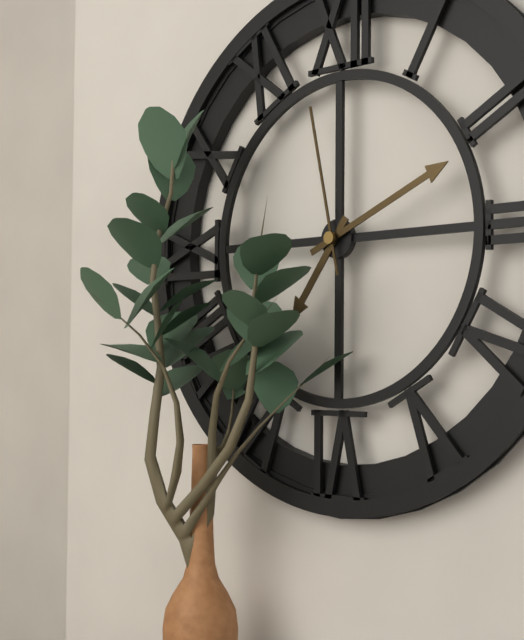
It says 7 h 11 min 58 s
